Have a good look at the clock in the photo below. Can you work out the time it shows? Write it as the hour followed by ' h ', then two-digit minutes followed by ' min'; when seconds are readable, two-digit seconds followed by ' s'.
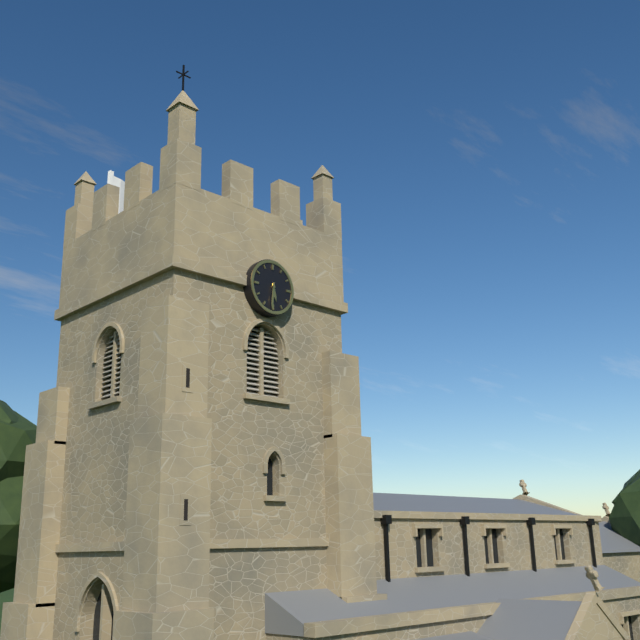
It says 5 h 31 min
